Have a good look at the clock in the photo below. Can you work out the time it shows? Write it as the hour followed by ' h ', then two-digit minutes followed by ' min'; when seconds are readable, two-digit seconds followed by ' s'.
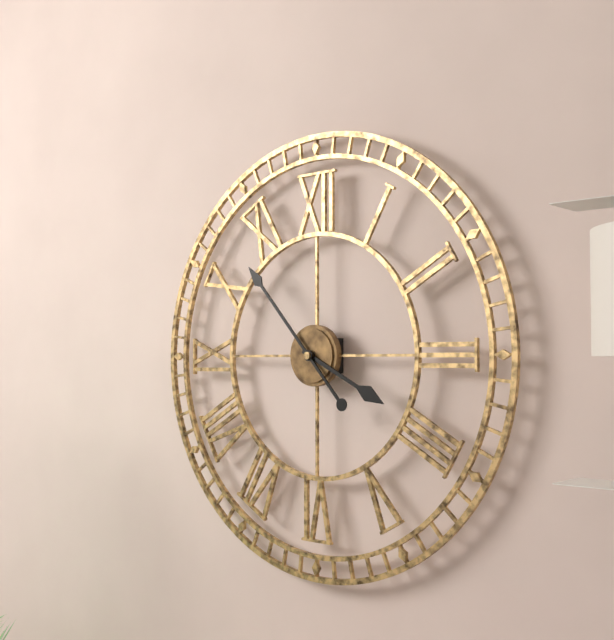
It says 3 h 53 min
